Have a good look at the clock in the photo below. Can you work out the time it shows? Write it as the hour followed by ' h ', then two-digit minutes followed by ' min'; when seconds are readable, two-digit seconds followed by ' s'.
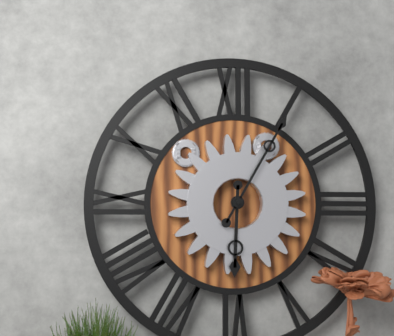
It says 6 h 05 min
